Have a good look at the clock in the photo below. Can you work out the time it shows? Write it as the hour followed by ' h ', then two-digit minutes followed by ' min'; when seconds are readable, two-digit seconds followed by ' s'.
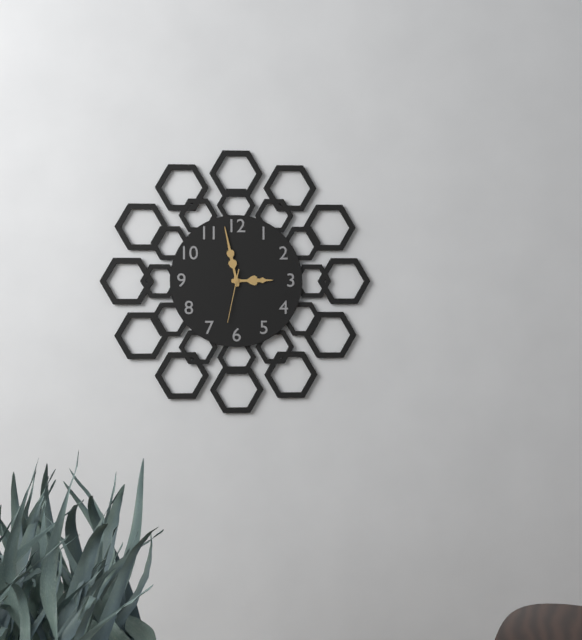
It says 2 h 58 min 32 s
